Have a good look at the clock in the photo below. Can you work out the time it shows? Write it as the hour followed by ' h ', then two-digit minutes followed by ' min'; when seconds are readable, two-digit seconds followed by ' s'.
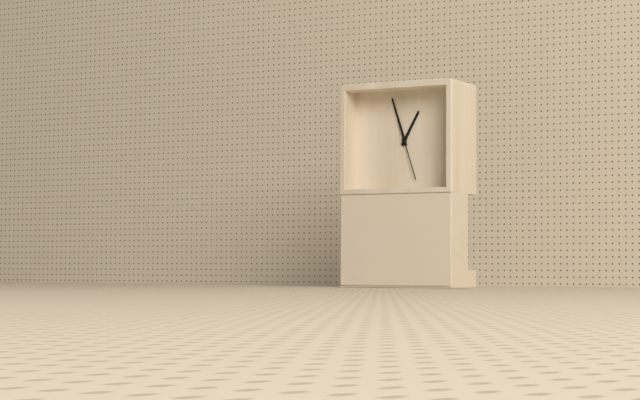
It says 12 h 57 min 27 s
